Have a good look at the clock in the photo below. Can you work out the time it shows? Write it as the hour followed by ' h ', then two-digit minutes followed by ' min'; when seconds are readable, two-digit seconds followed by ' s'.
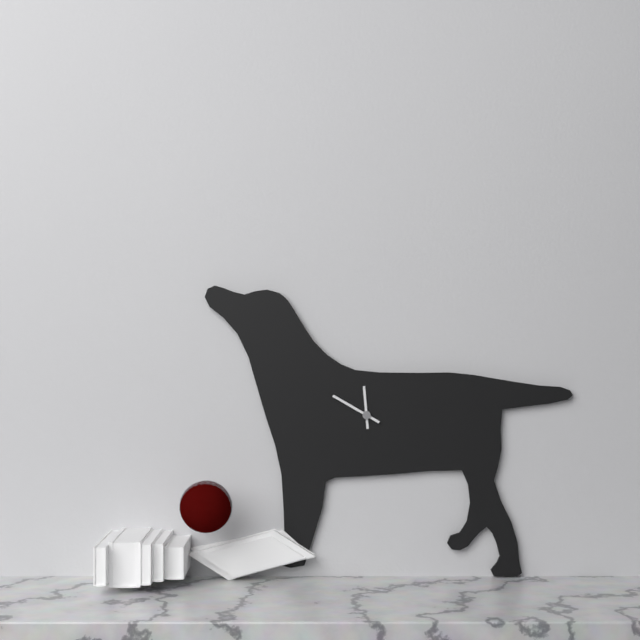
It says 11 h 50 min
